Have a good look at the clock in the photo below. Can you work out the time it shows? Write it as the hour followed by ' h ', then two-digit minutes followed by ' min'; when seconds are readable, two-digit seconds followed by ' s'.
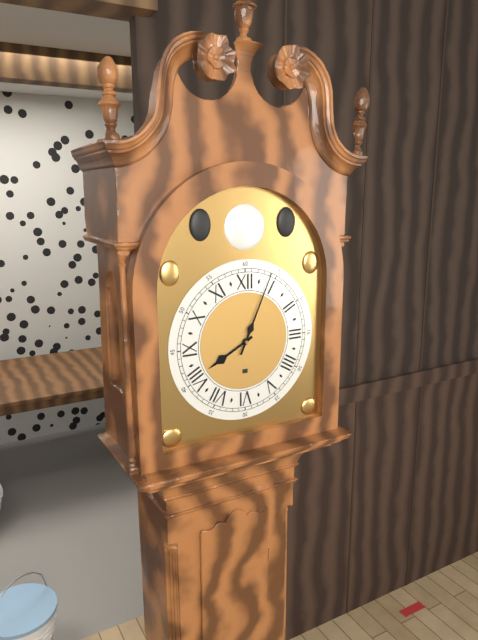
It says 8 h 04 min
